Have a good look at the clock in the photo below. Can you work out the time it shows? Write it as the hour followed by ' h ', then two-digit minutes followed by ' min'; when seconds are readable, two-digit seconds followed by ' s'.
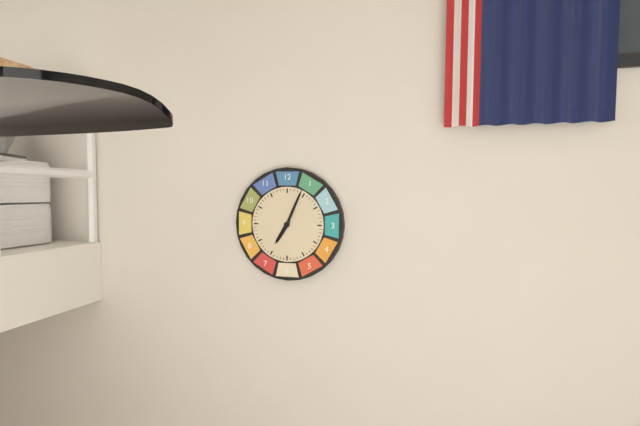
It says 7 h 04 min
